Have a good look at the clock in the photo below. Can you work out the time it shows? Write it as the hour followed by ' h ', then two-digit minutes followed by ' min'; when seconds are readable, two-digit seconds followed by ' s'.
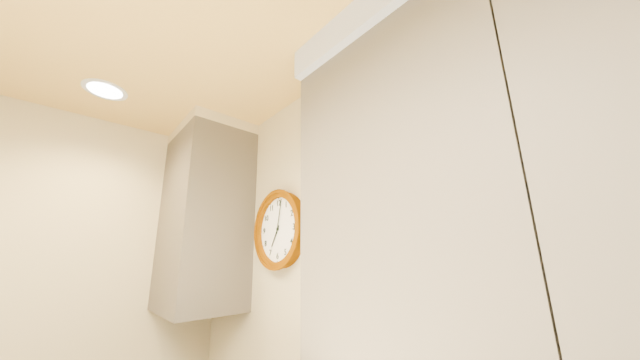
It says 7 h 02 min
